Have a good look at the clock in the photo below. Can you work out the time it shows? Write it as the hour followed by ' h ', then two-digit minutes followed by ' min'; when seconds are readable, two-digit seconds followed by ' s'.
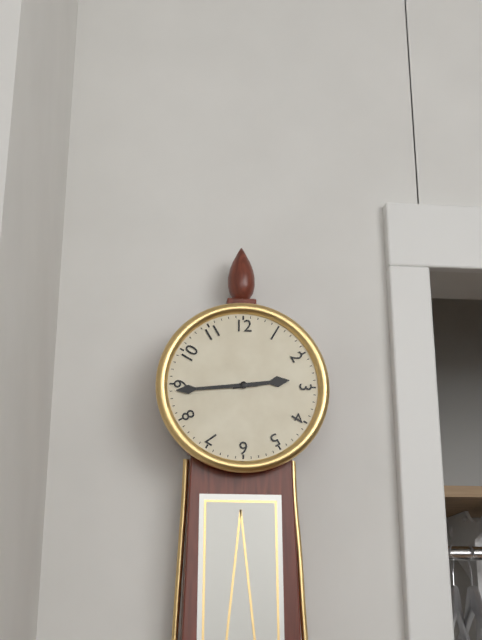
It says 2 h 44 min
